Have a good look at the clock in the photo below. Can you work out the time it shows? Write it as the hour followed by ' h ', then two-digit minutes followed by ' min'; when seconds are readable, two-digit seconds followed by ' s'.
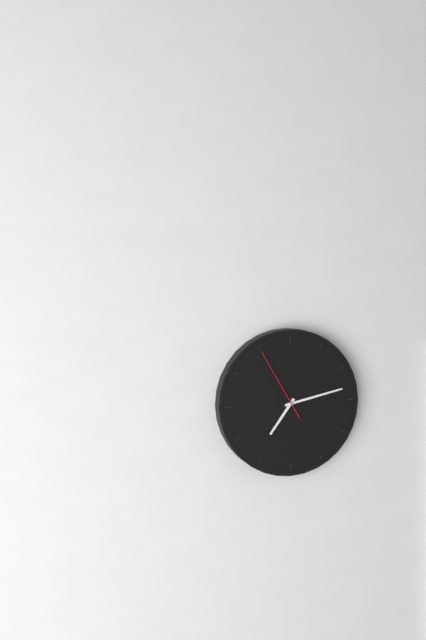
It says 7 h 13 min 55 s
